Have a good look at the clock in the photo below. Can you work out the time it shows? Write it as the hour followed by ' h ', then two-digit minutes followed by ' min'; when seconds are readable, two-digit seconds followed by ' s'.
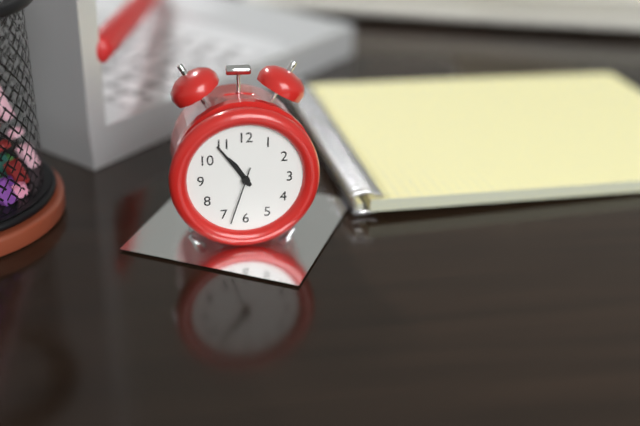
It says 10 h 54 min 33 s
